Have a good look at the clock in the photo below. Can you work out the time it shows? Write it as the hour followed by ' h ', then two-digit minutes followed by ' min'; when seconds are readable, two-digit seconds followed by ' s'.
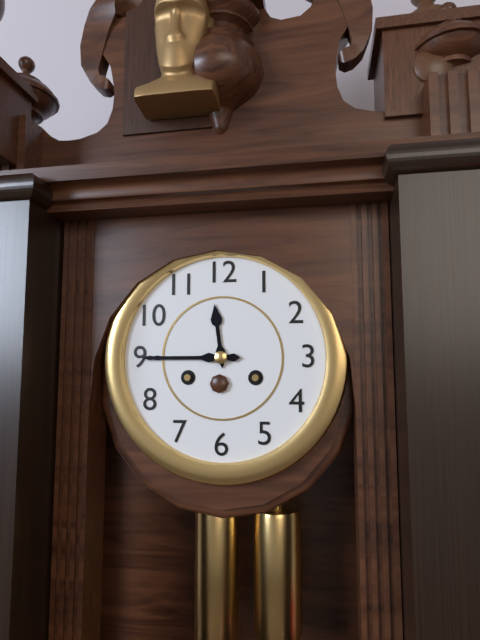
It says 11 h 45 min
